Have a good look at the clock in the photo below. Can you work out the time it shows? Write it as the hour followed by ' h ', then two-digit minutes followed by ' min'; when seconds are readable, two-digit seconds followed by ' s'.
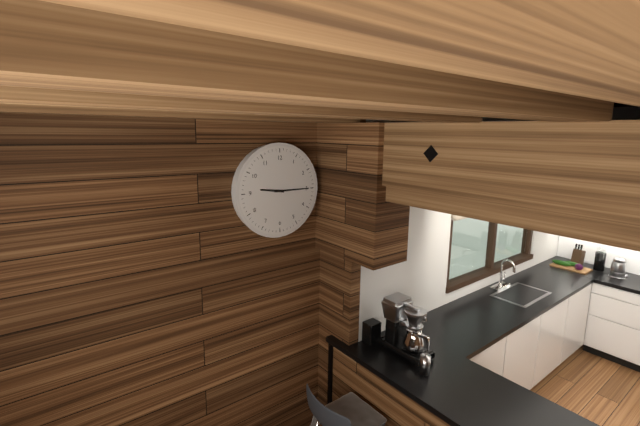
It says 9 h 15 min
